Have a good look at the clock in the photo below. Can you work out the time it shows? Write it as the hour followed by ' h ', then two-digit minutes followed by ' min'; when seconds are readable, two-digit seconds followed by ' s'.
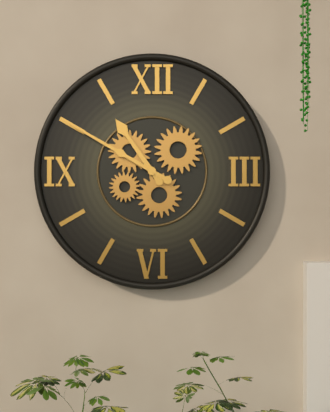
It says 10 h 50 min
